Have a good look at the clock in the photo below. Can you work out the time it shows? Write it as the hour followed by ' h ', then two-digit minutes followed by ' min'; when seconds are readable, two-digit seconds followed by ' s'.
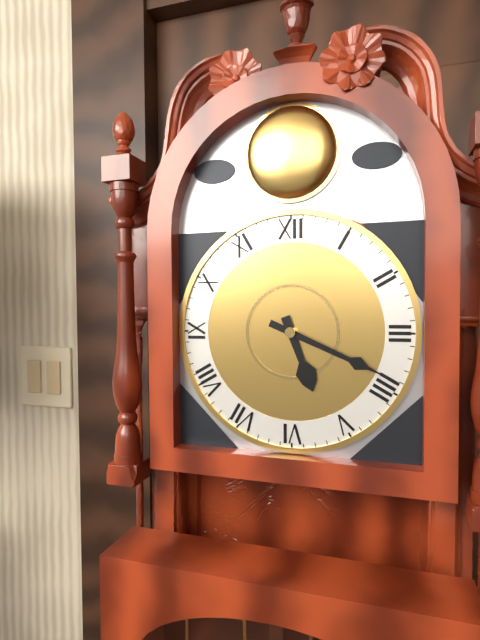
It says 5 h 19 min
